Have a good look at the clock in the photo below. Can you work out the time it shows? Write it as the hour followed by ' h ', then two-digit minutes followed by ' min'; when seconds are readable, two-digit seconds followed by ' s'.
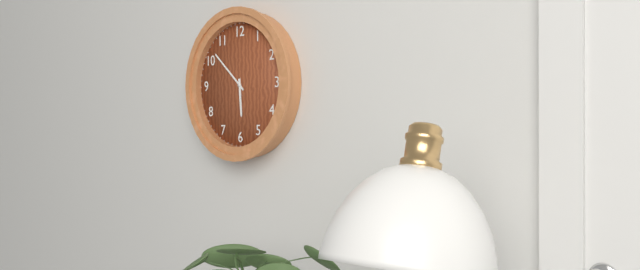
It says 5 h 52 min
